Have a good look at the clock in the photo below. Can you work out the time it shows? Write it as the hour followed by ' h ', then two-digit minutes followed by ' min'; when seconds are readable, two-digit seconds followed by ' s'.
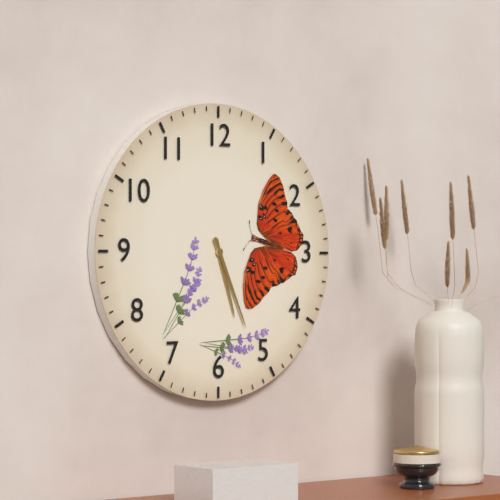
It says 5 h 26 min
